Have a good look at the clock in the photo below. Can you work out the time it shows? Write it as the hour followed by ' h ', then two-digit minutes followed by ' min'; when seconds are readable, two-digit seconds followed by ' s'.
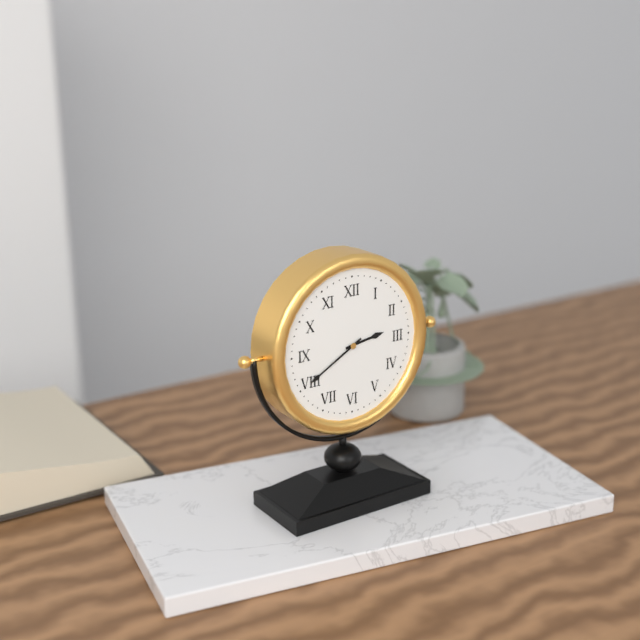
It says 2 h 40 min
